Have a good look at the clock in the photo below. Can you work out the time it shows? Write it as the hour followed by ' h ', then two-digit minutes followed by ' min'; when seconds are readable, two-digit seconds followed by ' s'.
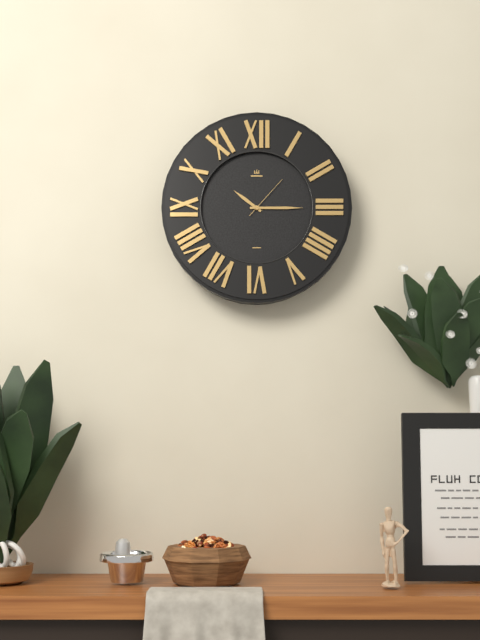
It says 10 h 15 min 07 s
